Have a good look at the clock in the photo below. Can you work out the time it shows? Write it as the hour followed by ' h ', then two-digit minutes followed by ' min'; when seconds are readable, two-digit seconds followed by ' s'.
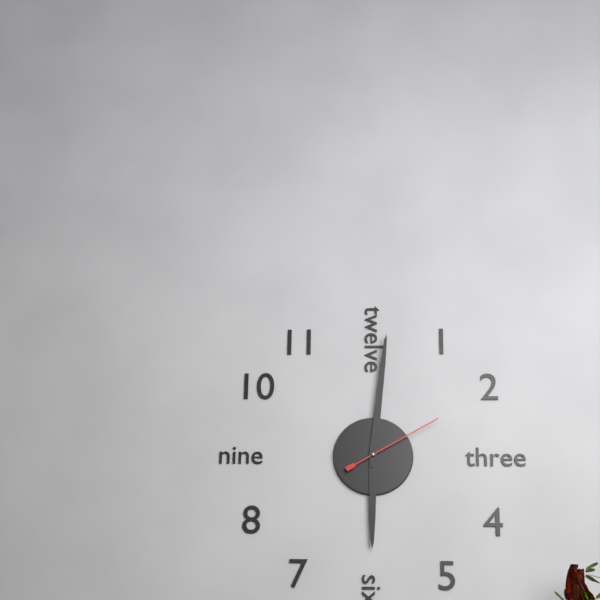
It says 6 h 01 min 10 s
